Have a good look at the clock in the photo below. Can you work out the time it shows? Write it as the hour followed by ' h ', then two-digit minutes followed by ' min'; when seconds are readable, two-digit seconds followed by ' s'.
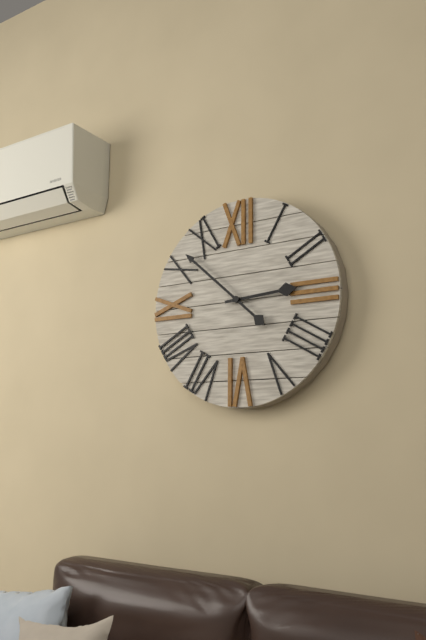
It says 2 h 52 min
